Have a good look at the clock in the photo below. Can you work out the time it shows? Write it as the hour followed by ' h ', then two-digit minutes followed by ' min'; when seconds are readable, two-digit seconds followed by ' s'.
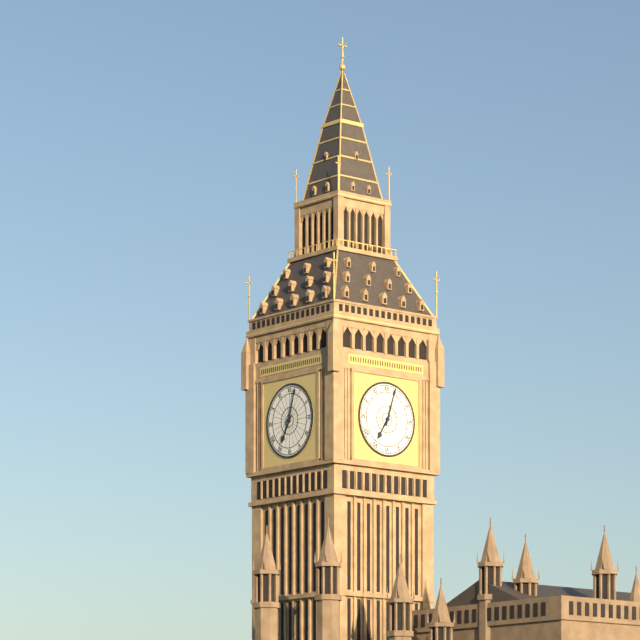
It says 7 h 03 min
